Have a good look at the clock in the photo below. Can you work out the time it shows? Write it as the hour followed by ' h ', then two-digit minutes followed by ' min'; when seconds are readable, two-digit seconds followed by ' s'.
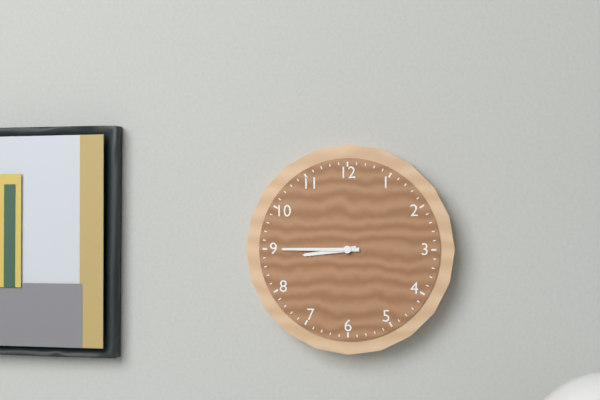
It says 8 h 45 min
